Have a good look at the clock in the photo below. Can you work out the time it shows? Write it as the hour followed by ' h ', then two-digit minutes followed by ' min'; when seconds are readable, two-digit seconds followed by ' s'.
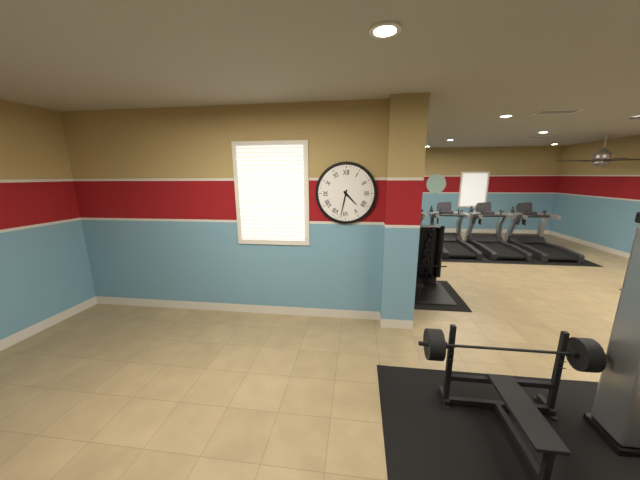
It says 4 h 32 min
